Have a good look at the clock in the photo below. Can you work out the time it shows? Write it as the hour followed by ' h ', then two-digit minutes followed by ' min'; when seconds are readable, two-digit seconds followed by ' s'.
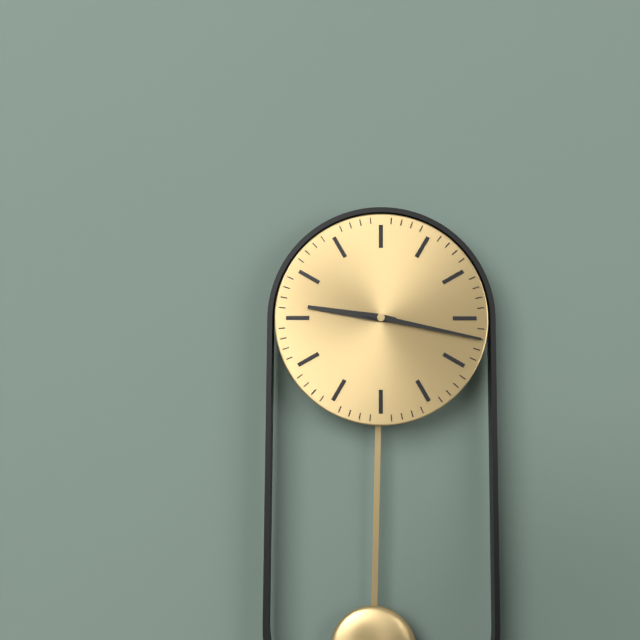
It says 9 h 17 min
